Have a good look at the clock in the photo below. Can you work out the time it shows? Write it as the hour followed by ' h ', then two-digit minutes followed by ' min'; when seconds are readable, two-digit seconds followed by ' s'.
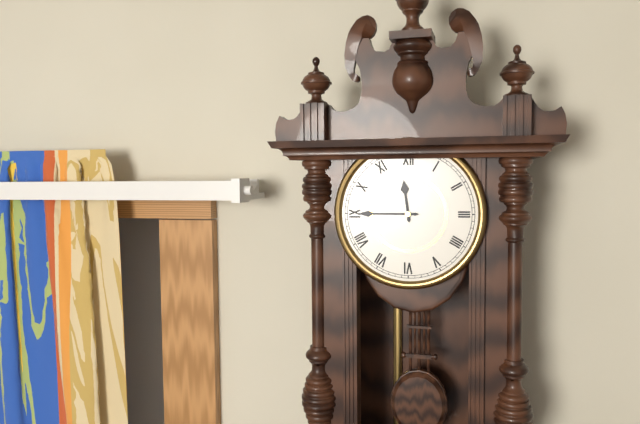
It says 11 h 45 min
